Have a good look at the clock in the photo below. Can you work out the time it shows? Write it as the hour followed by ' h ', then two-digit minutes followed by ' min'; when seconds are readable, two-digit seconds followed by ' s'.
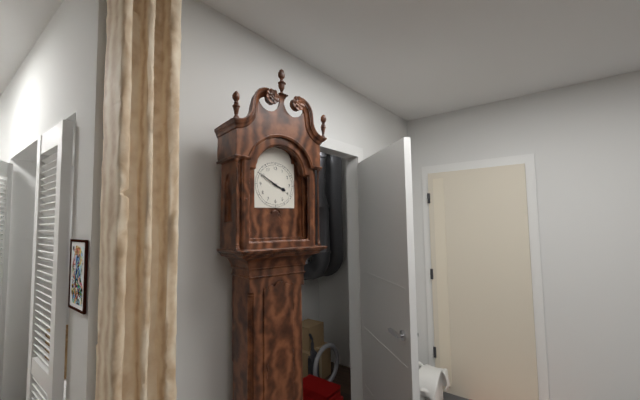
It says 3 h 50 min
